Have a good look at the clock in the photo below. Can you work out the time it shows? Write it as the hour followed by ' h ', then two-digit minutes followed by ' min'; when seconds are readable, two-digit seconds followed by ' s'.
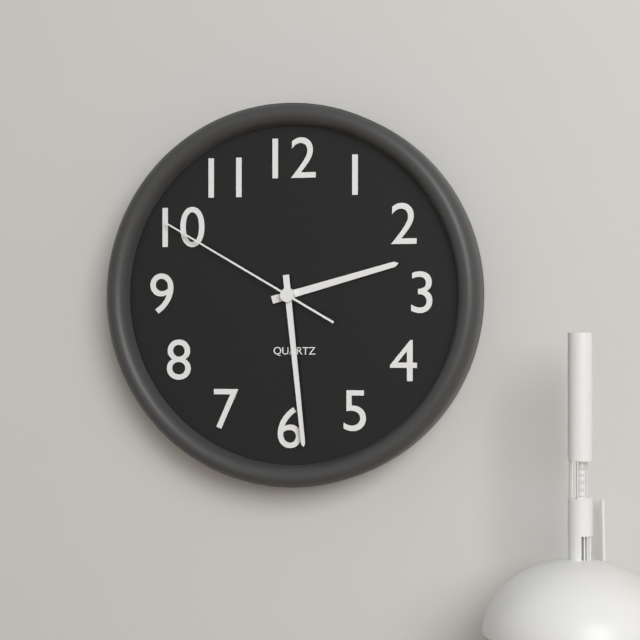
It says 2 h 29 min 50 s
